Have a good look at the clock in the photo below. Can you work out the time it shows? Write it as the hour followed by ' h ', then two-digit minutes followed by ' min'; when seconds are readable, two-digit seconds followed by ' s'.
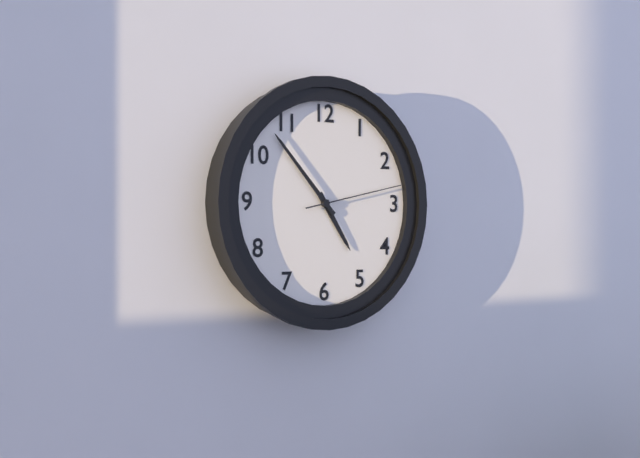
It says 4 h 53 min 13 s
